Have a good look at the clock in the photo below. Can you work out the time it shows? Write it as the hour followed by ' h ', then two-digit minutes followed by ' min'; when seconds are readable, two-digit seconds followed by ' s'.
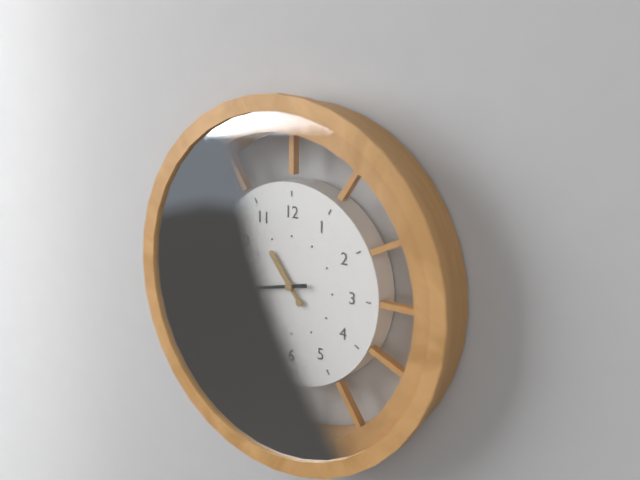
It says 10 h 43 min
